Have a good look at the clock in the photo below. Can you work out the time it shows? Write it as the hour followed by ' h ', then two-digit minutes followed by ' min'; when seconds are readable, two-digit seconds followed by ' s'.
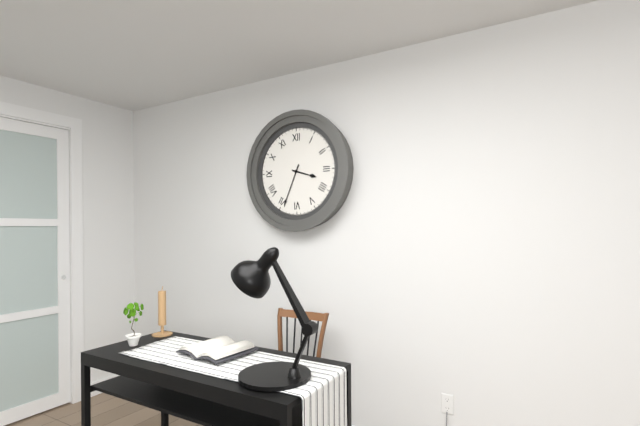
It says 3 h 34 min
